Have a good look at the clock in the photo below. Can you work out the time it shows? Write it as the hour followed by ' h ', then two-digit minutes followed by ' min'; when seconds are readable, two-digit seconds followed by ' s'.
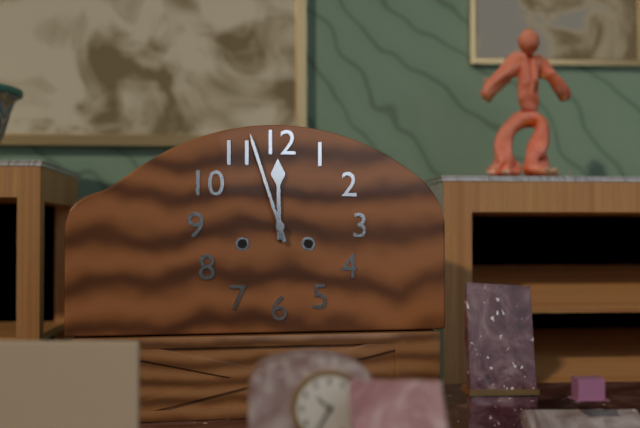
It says 11 h 57 min
